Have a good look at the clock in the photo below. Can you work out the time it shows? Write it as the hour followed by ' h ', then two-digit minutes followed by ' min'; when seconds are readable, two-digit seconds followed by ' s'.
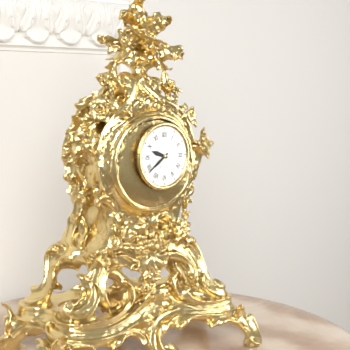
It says 9 h 39 min
